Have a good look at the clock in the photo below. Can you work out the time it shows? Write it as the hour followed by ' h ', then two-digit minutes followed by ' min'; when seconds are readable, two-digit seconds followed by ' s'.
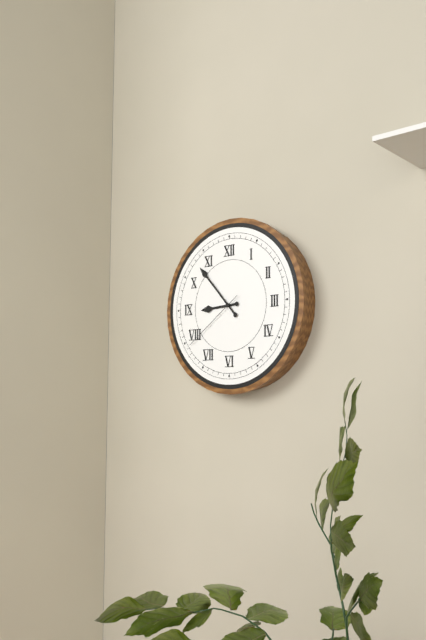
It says 8 h 53 min 39 s
